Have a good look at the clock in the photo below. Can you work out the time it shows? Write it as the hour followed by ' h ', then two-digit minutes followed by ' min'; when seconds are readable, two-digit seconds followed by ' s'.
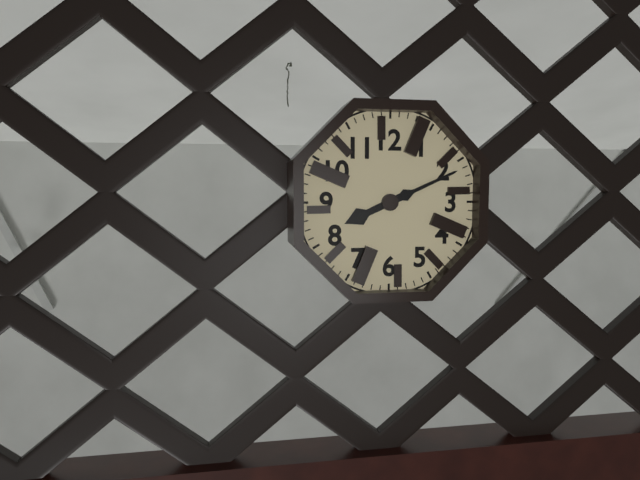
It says 8 h 11 min
